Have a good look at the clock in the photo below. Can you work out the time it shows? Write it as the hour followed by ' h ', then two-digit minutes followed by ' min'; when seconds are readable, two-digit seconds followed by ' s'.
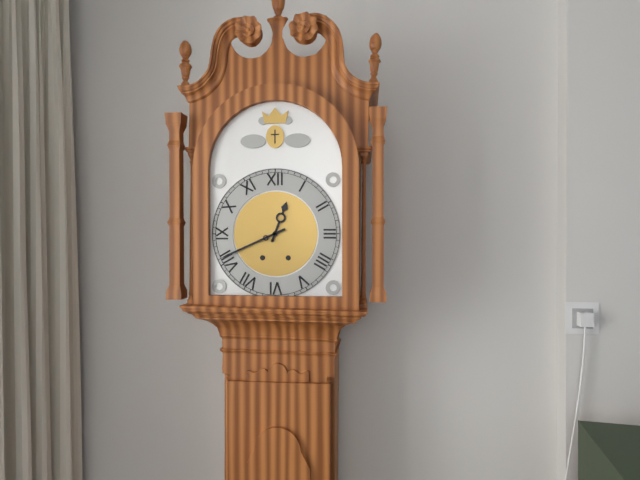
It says 12 h 41 min
